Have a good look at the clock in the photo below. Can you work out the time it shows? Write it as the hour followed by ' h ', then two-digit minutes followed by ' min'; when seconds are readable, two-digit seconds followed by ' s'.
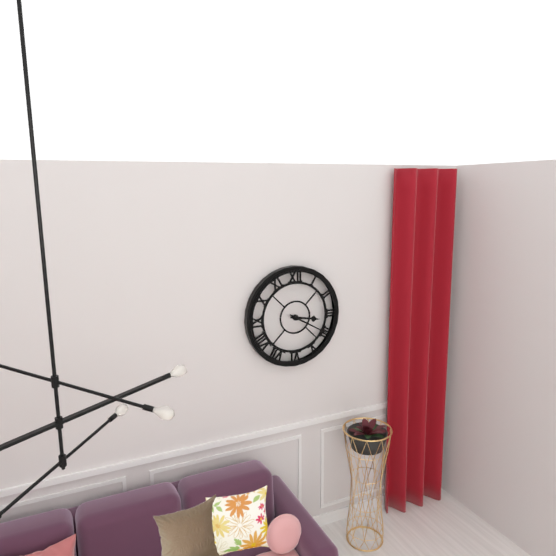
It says 3 h 20 min
